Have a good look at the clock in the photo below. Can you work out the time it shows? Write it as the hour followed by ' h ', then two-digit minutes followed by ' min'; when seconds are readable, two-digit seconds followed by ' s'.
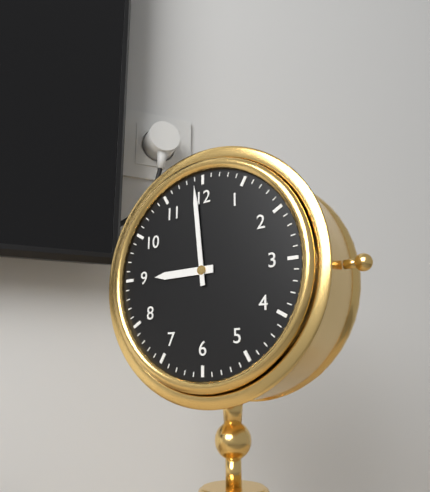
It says 8 h 59 min
